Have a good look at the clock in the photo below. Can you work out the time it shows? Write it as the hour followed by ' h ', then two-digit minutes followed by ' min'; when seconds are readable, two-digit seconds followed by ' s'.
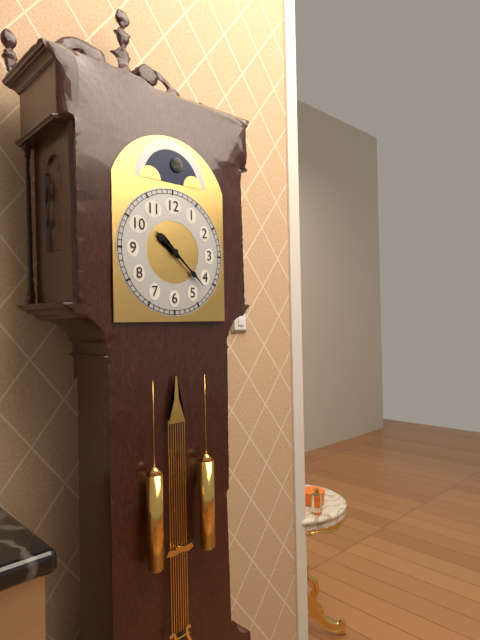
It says 10 h 22 min
